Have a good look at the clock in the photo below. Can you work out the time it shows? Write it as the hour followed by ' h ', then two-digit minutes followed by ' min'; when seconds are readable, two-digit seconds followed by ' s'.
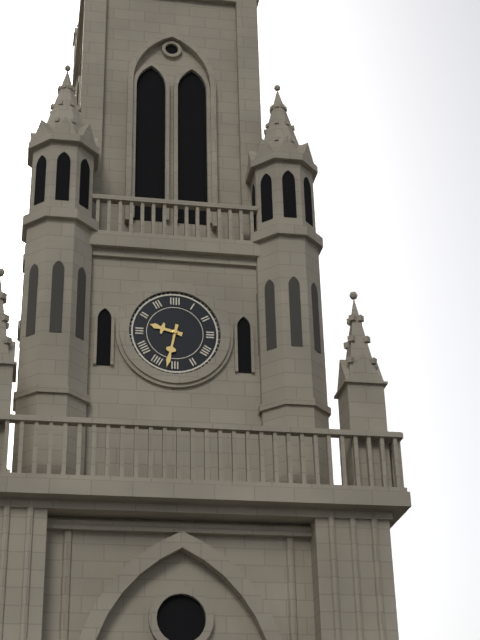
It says 9 h 32 min
